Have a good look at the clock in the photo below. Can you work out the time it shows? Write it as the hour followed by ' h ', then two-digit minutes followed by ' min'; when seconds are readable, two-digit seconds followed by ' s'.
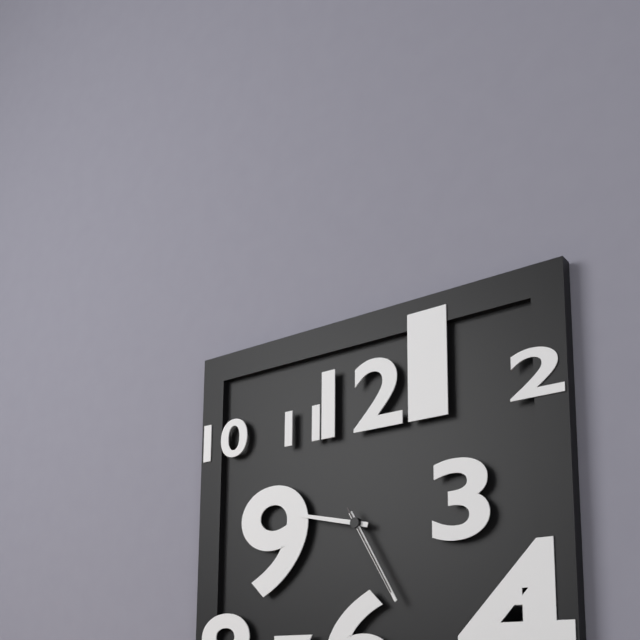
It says 9 h 25 min 25 s
